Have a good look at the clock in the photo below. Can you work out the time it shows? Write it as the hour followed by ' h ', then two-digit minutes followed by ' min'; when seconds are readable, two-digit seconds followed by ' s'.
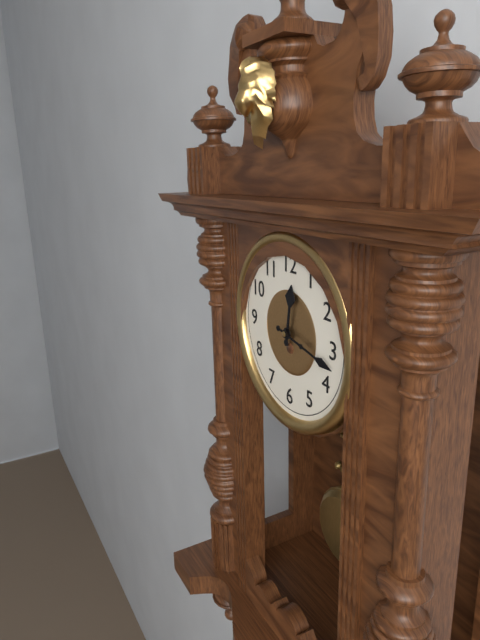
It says 12 h 17 min
